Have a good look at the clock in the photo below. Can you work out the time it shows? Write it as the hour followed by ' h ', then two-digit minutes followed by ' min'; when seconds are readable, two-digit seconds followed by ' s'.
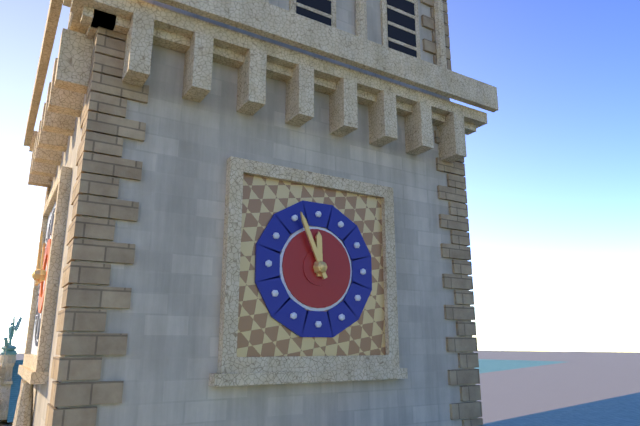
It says 11 h 56 min
